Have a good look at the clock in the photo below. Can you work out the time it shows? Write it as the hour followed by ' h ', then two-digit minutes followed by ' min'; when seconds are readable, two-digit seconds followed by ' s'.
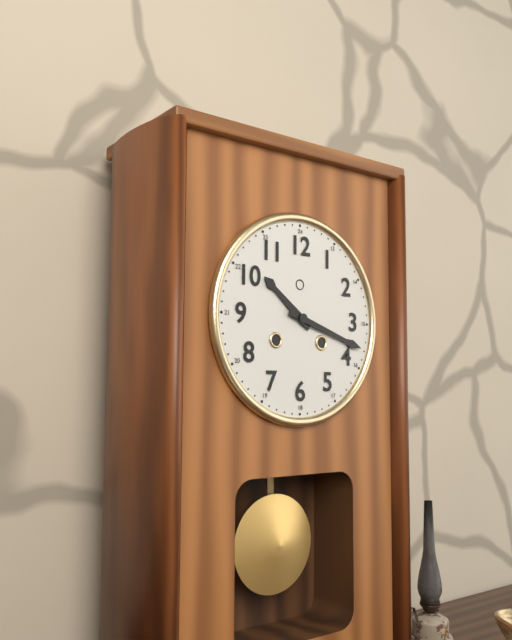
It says 10 h 18 min
